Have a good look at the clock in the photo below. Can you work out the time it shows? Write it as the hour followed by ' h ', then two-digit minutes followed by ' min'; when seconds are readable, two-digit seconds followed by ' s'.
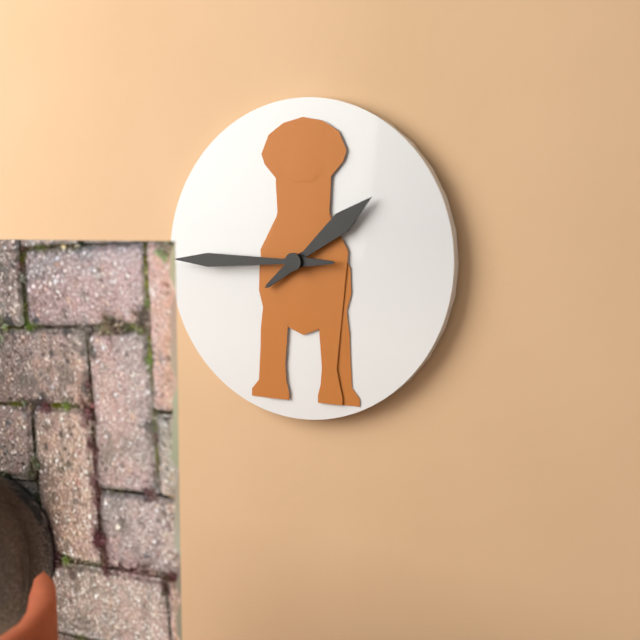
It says 1 h 45 min
